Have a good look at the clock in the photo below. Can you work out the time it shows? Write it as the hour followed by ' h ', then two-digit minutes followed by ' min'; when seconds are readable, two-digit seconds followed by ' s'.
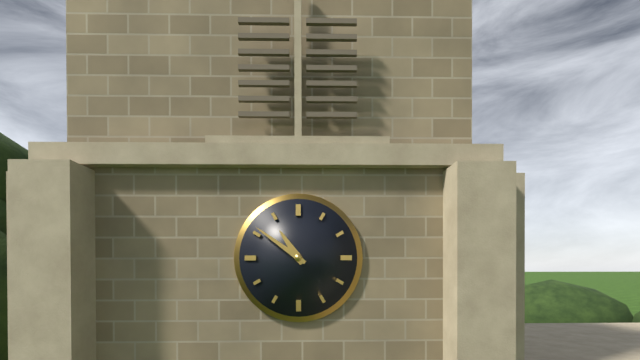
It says 10 h 51 min
